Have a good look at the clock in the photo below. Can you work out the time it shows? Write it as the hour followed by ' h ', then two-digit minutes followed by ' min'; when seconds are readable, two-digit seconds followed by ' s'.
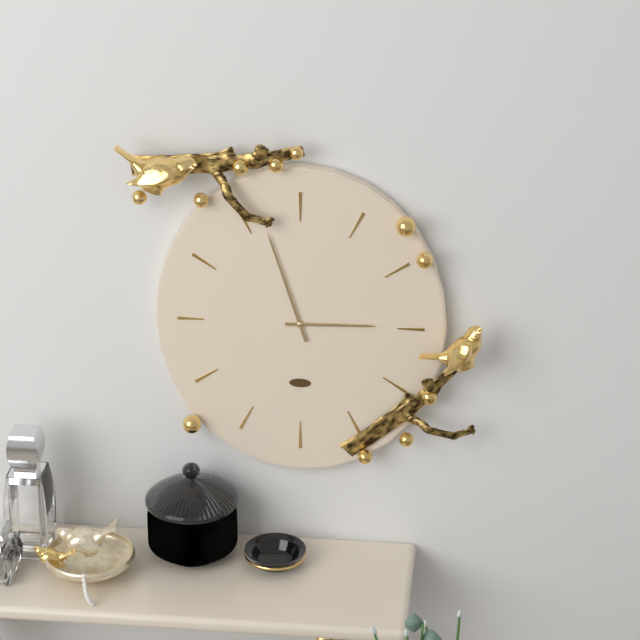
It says 2 h 57 min
